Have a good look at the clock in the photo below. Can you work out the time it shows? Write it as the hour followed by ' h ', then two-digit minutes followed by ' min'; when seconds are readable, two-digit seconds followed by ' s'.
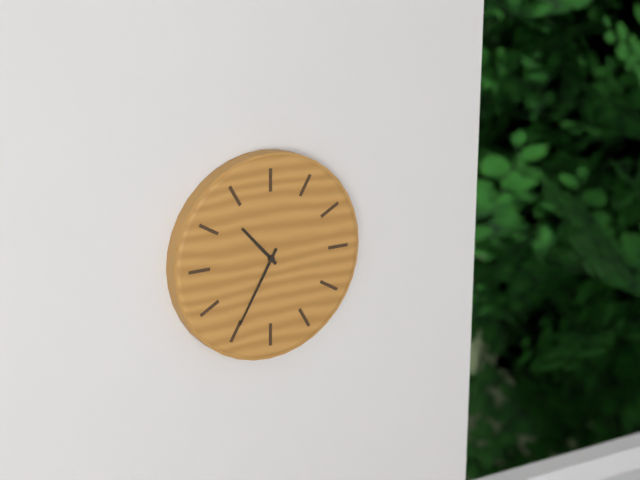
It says 10 h 35 min
